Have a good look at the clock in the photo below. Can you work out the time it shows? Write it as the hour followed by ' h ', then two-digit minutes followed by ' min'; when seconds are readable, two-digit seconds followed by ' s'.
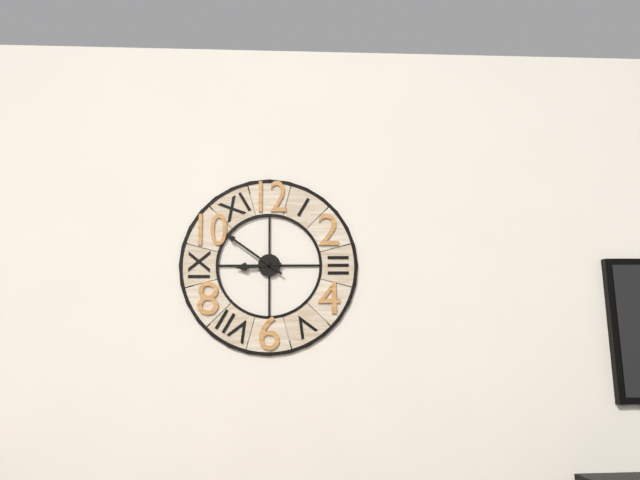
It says 8 h 51 min
